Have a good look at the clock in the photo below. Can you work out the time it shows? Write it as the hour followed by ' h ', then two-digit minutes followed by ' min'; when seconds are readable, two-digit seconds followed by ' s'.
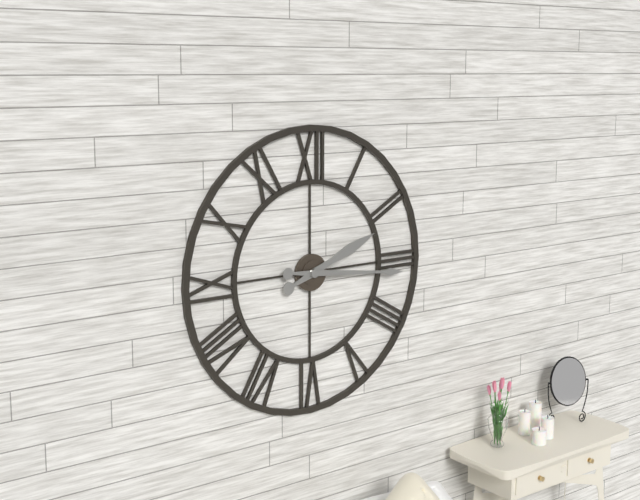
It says 2 h 16 min
